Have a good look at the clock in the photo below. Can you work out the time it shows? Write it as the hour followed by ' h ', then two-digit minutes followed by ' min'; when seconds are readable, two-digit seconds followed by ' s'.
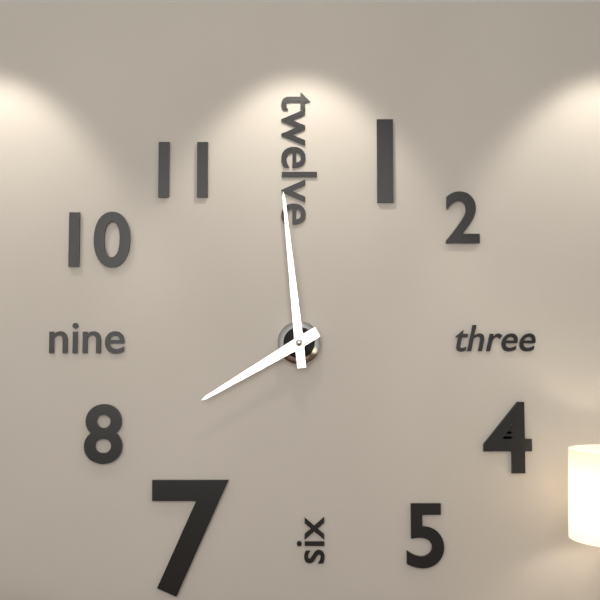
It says 7 h 59 min
